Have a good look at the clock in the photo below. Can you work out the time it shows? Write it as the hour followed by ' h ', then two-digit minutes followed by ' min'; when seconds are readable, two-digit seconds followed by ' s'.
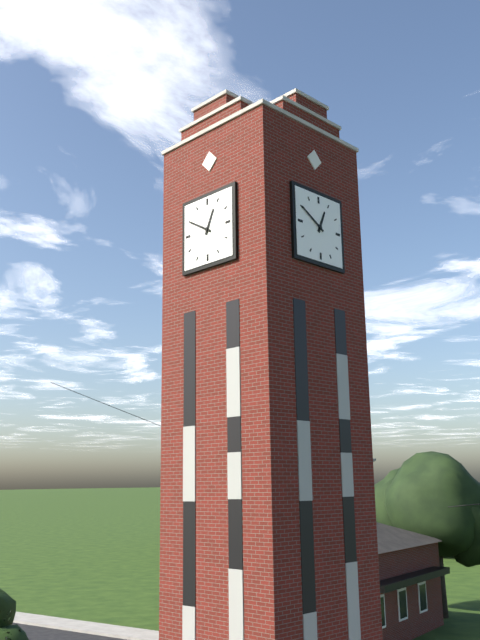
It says 12 h 50 min
